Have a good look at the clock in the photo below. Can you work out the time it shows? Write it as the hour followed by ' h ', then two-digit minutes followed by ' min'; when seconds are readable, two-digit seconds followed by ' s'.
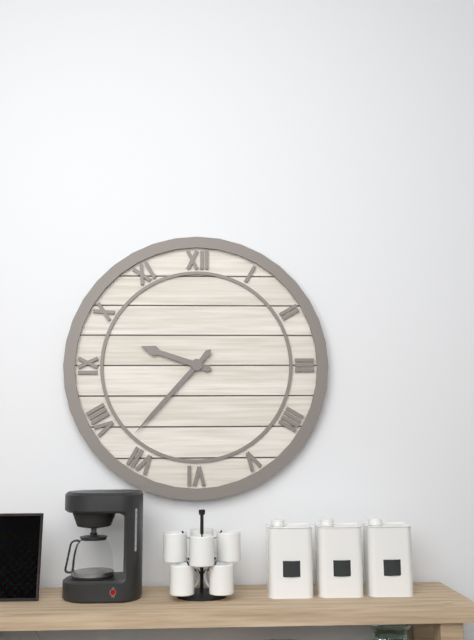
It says 9 h 37 min
